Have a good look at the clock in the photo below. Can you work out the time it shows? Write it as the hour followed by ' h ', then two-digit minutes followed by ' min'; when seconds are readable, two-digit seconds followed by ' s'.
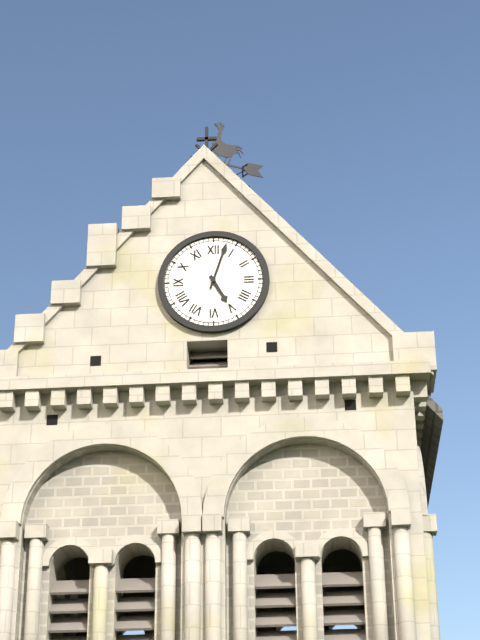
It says 5 h 03 min
